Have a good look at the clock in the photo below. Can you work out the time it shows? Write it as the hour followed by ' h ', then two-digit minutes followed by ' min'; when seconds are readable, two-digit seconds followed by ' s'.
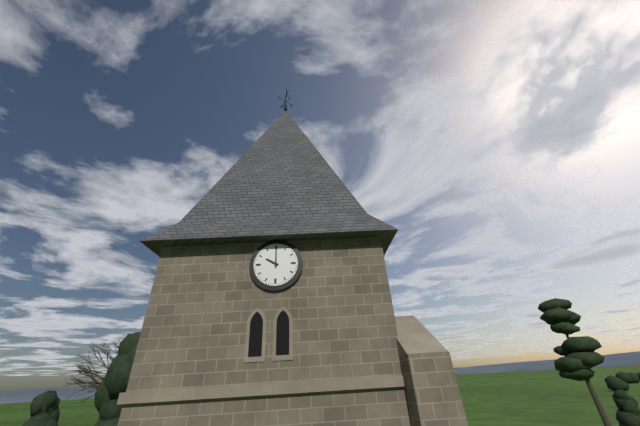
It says 10 h 00 min
